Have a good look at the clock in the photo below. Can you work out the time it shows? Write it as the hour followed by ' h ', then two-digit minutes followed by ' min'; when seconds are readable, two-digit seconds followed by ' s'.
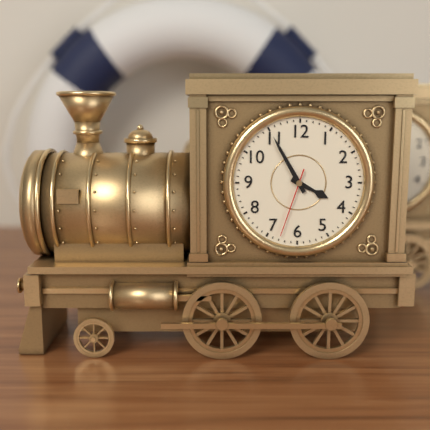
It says 3 h 55 min 33 s
